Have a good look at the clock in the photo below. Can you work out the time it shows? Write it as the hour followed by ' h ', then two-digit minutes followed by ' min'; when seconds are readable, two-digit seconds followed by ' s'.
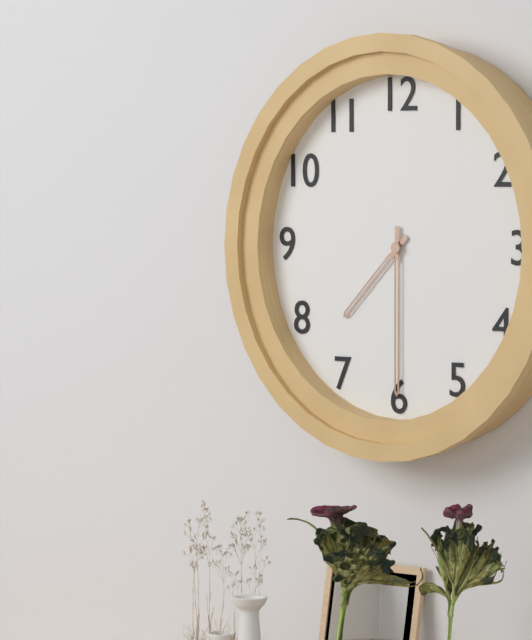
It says 7 h 30 min
